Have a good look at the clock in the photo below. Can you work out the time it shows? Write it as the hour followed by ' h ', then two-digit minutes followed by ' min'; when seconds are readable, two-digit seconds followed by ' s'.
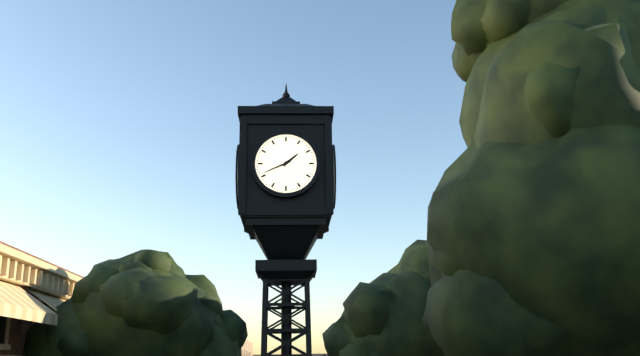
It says 1 h 41 min
